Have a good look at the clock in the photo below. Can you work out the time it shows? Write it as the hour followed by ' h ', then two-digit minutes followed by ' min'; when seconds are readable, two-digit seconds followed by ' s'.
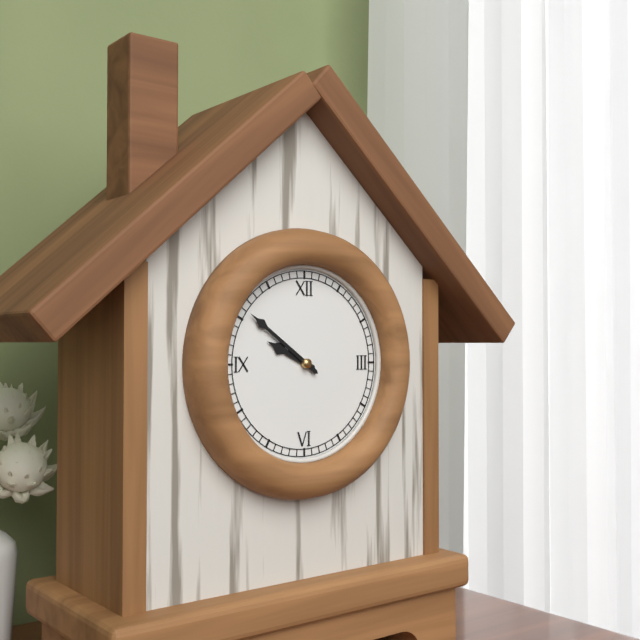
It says 9 h 51 min
